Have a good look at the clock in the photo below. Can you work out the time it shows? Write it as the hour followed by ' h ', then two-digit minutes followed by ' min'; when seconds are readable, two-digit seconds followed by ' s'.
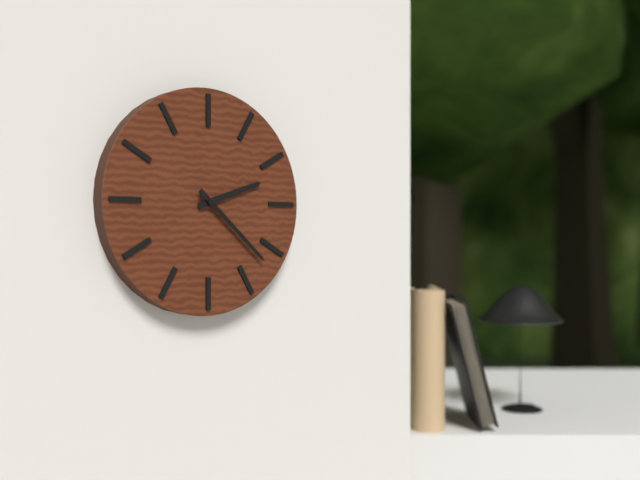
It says 2 h 22 min
